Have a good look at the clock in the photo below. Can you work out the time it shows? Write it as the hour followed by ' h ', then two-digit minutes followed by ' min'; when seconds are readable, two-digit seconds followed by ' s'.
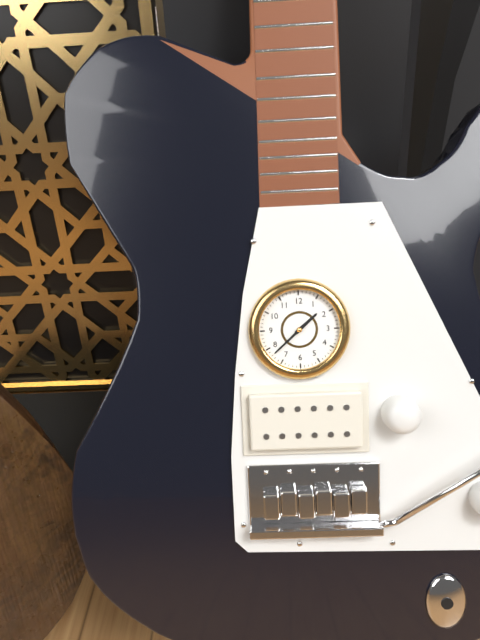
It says 1 h 38 min
